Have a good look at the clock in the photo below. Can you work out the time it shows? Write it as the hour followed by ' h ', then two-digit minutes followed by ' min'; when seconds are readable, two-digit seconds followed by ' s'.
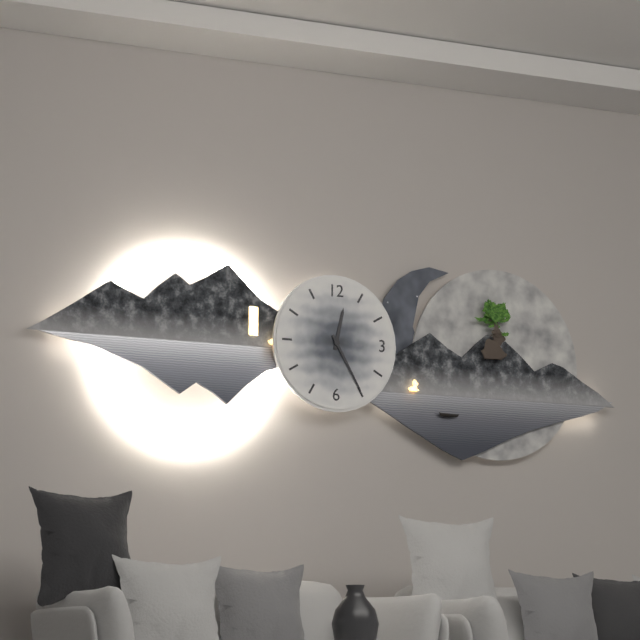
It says 12 h 25 min
